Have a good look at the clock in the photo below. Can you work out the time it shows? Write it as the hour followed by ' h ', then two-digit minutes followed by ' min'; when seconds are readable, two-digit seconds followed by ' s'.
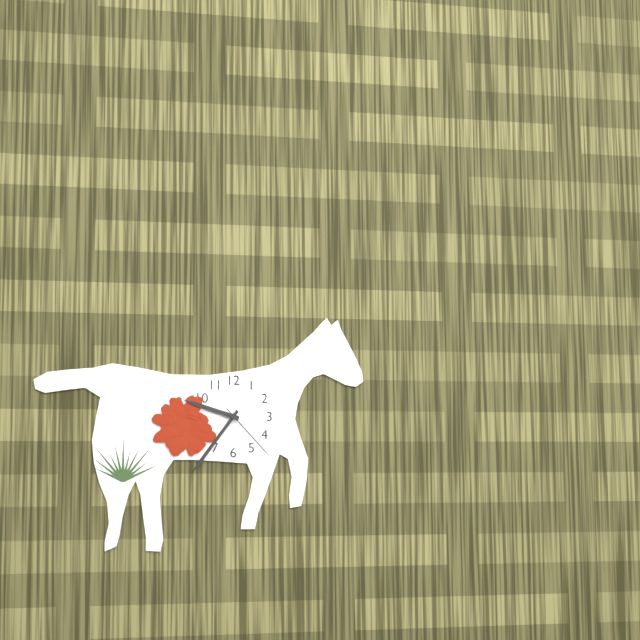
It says 9 h 36 min 23 s
